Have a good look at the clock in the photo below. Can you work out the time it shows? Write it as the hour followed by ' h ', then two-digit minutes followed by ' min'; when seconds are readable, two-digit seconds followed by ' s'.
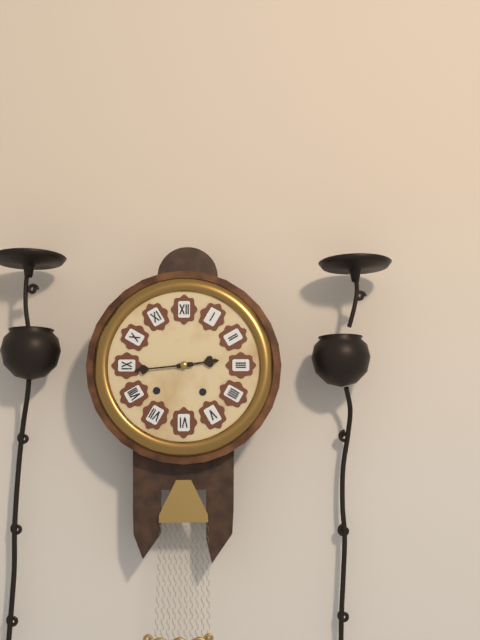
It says 2 h 44 min
